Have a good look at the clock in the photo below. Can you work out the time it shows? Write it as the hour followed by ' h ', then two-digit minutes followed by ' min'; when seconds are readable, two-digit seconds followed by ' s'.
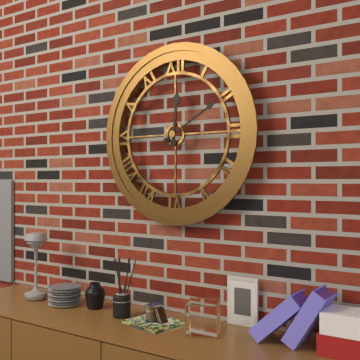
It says 12 h 10 min
